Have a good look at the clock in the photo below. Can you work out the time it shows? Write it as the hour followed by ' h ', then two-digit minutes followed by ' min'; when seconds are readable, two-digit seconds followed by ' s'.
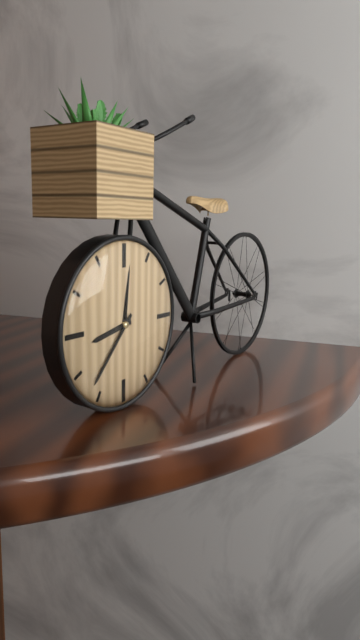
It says 8 h 37 min
